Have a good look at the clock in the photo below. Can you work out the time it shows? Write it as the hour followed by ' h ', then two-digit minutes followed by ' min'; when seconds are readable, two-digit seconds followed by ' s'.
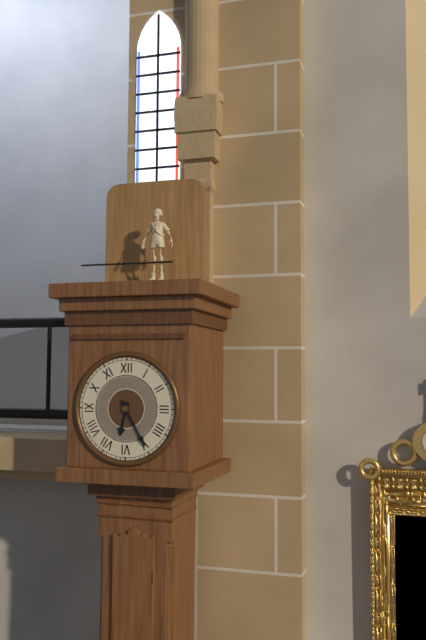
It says 6 h 25 min
